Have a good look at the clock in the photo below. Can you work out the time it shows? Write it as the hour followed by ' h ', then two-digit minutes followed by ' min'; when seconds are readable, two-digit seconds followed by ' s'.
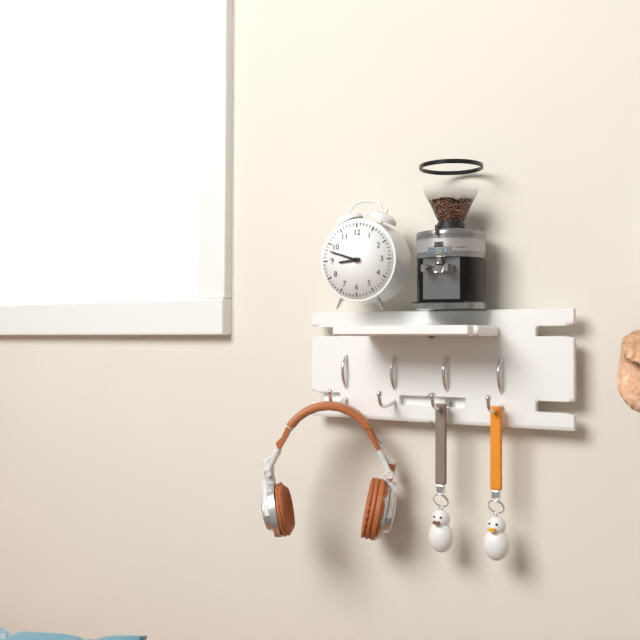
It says 8 h 48 min
